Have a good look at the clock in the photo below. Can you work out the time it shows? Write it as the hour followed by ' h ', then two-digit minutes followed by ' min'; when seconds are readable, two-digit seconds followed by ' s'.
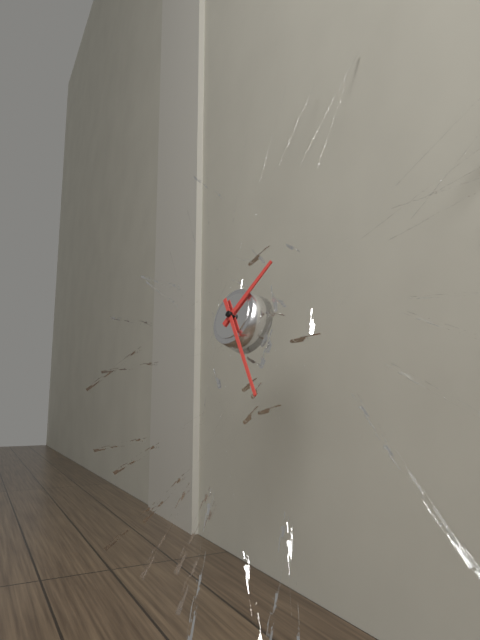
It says 1 h 24 min
